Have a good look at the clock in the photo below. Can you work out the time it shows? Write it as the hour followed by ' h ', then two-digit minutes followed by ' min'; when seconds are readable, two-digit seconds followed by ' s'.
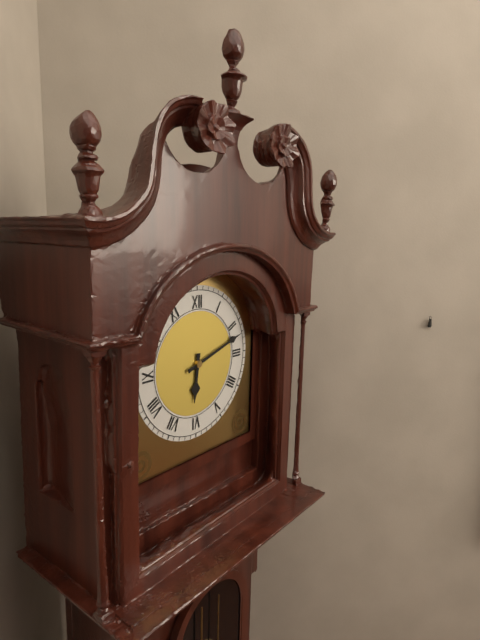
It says 6 h 12 min
